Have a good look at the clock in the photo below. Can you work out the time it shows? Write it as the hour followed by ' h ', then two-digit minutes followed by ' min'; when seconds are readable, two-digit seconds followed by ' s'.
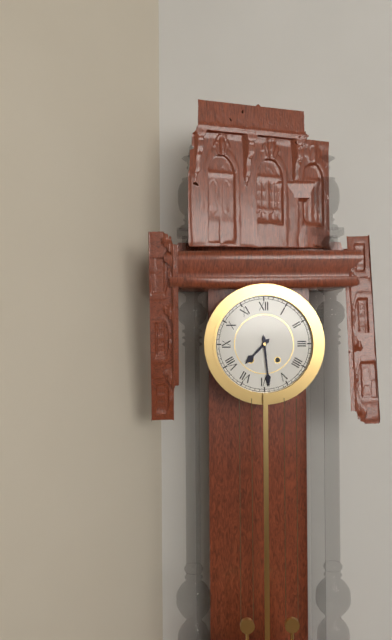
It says 7 h 29 min
